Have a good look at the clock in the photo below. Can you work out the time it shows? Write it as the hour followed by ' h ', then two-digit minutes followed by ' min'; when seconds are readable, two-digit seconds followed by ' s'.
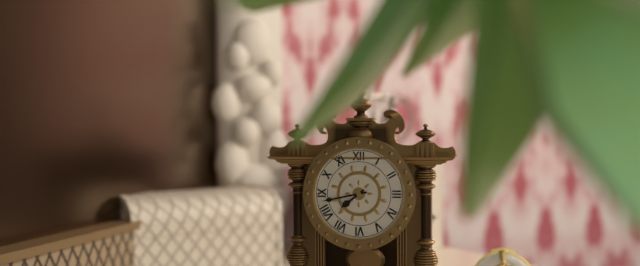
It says 7 h 43 min
